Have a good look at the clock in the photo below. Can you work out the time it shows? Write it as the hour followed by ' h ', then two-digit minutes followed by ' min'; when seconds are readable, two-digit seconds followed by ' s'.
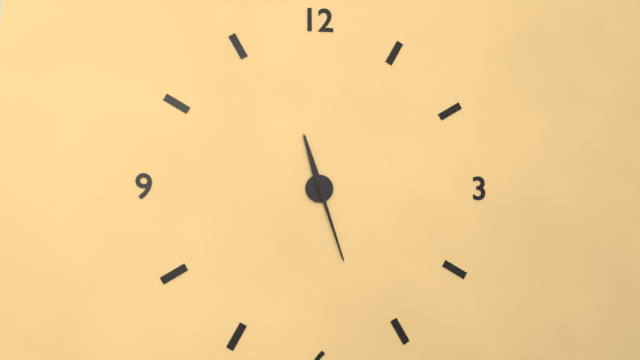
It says 11 h 27 min
